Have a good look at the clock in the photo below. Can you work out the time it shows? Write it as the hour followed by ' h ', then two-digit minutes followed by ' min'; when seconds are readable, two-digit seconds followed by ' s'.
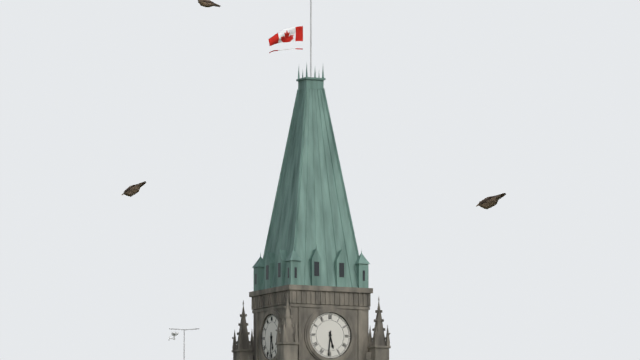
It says 5 h 31 min
